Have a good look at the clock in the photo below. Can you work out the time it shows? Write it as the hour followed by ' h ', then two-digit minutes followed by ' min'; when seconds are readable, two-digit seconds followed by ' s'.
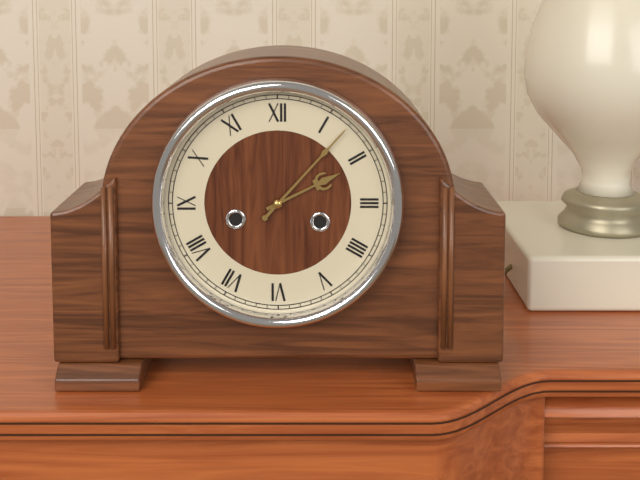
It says 2 h 07 min
